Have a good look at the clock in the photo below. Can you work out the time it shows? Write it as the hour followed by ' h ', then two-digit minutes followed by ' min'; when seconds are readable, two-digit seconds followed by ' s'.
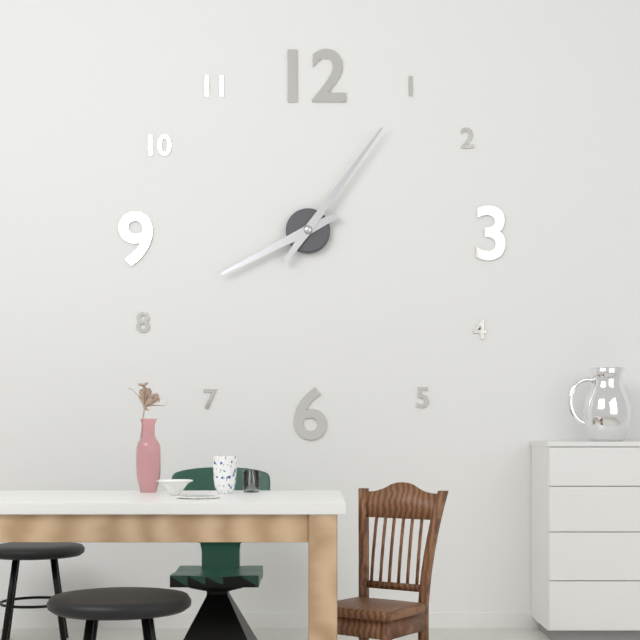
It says 8 h 06 min
